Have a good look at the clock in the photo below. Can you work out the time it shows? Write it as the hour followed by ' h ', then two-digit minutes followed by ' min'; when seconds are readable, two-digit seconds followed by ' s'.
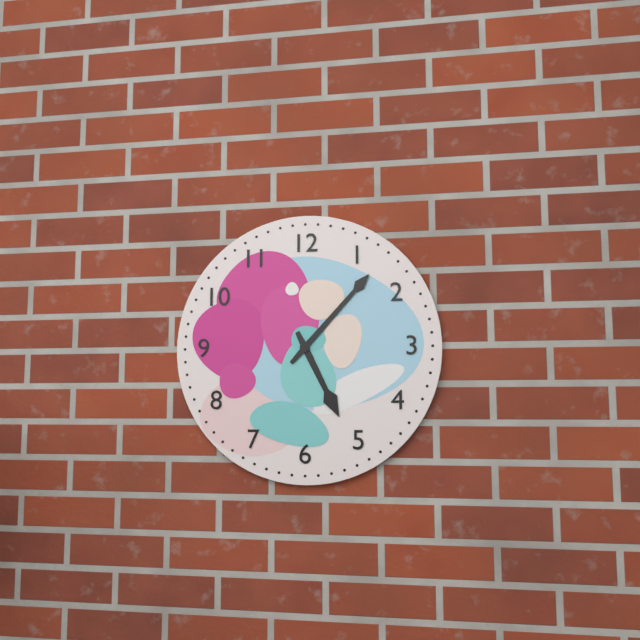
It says 5 h 07 min
